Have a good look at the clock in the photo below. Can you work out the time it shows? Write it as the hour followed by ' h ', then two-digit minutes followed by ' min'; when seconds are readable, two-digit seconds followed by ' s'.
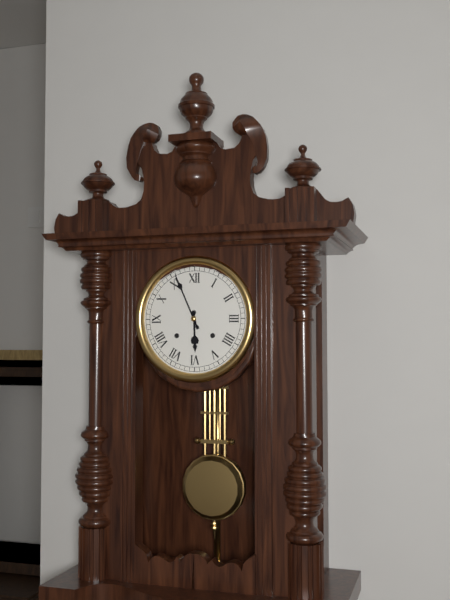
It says 5 h 56 min
